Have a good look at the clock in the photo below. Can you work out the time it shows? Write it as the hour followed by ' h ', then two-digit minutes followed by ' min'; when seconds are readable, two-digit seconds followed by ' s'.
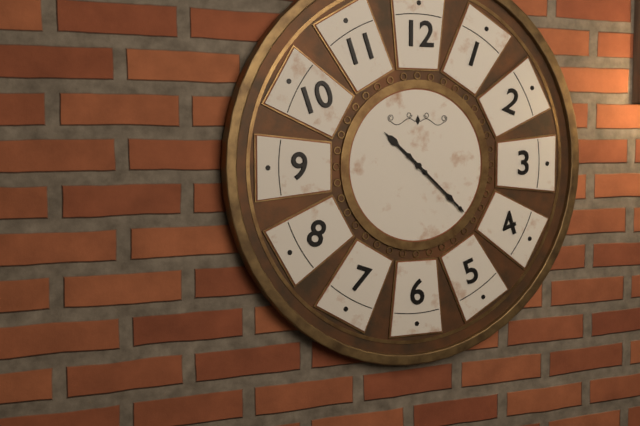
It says 10 h 22 min
